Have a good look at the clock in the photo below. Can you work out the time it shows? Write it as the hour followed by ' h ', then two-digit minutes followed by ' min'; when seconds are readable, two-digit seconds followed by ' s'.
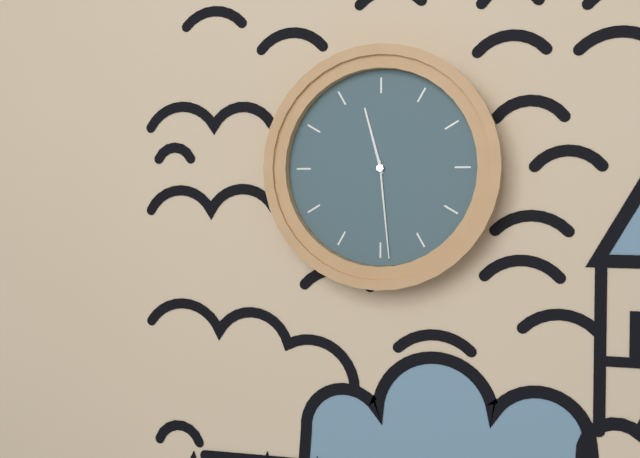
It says 11 h 29 min
